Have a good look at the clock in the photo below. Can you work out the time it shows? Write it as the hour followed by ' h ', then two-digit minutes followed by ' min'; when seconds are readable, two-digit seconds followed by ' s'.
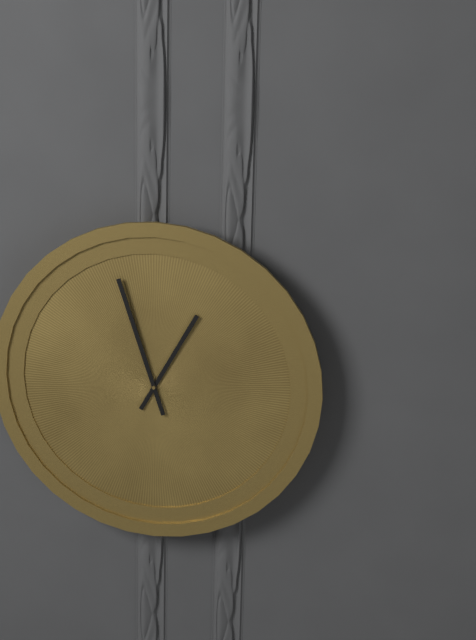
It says 12 h 57 min
